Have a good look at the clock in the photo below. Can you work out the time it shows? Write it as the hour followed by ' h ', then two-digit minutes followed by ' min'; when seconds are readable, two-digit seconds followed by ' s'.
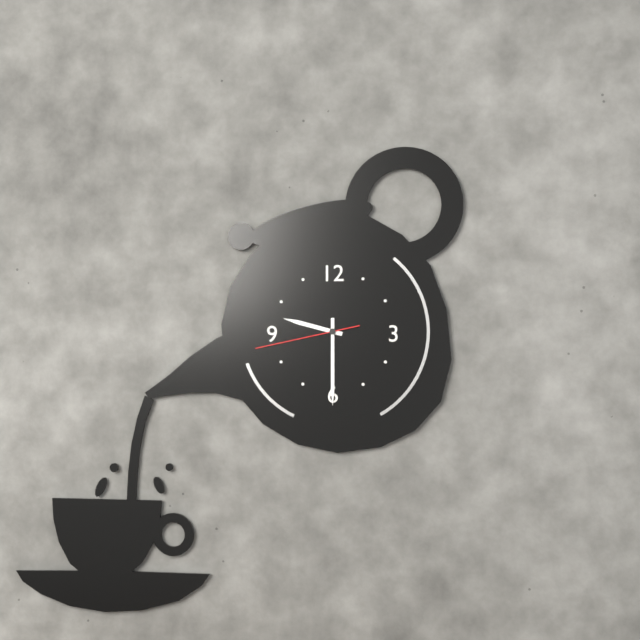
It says 9 h 30 min 43 s
